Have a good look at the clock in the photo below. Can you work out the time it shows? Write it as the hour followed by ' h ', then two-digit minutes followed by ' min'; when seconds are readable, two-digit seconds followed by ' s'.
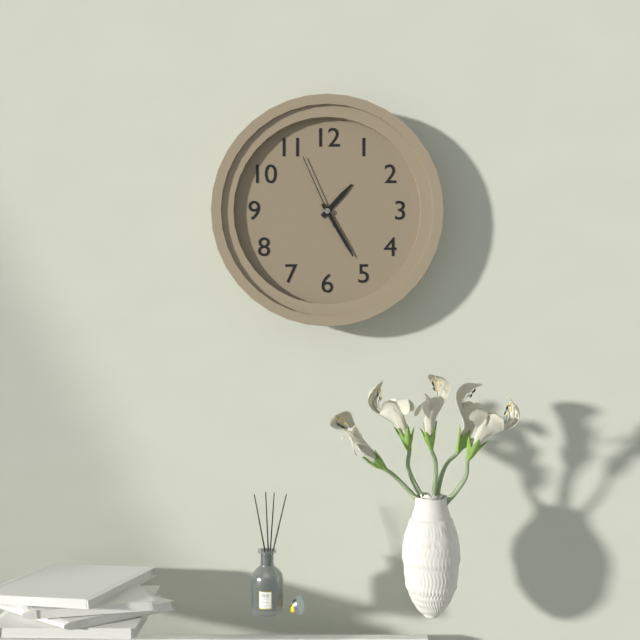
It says 1 h 25 min 56 s
